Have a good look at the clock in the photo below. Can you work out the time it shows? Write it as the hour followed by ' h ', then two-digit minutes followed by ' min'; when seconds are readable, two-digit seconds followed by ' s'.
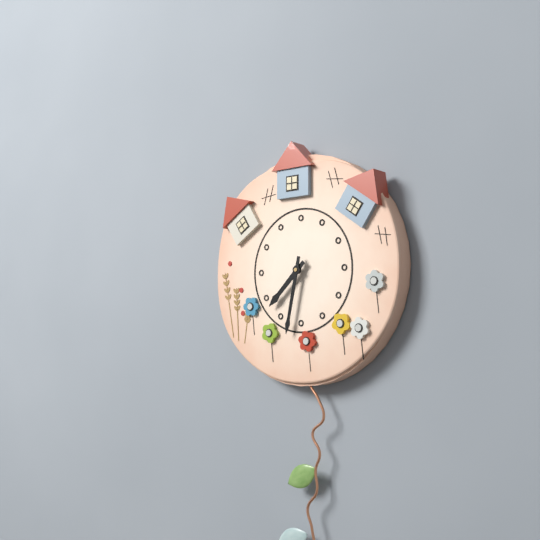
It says 7 h 32 min
